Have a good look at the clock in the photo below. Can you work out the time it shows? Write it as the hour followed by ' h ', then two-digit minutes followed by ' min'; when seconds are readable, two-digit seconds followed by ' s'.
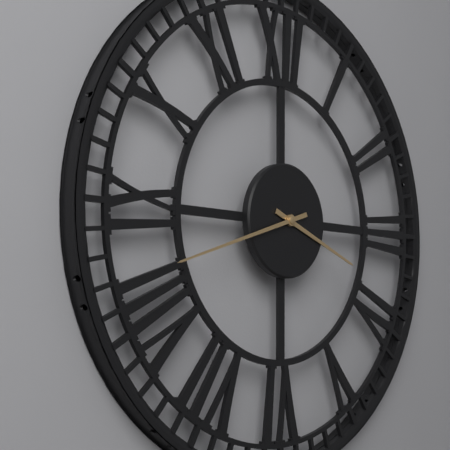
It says 3 h 42 min
